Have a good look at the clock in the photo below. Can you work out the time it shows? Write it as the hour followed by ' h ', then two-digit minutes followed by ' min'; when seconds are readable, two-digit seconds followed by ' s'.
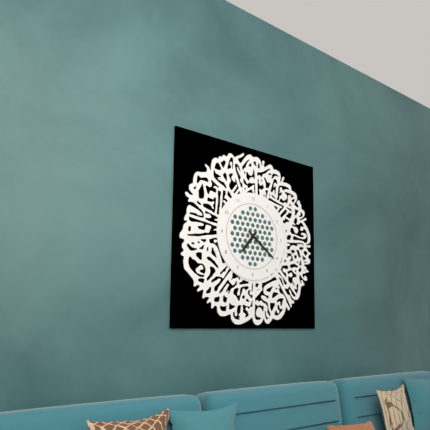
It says 7 h 21 min
